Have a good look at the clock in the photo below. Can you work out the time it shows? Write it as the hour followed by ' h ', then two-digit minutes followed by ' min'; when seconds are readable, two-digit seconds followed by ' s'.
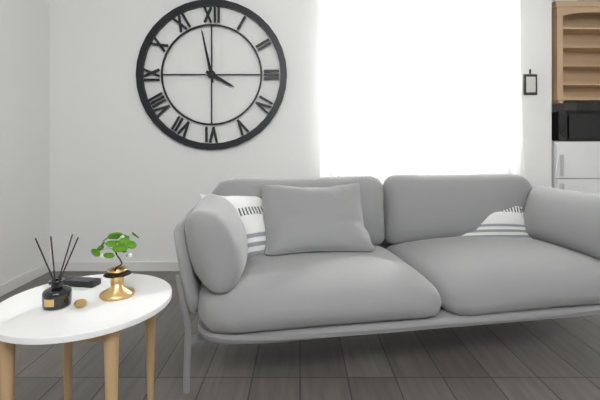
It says 3 h 58 min
